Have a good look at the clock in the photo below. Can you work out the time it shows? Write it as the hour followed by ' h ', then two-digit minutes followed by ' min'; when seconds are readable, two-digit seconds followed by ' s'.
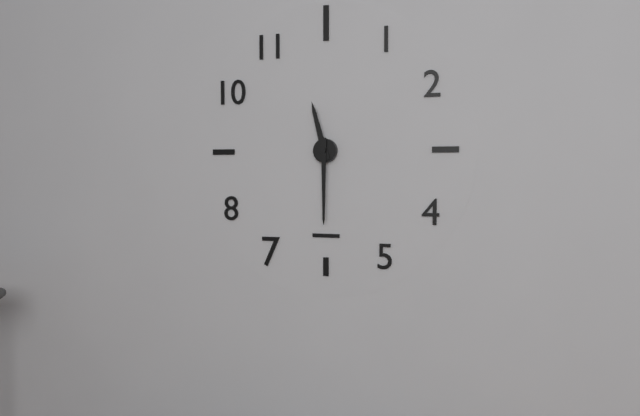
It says 11 h 30 min
